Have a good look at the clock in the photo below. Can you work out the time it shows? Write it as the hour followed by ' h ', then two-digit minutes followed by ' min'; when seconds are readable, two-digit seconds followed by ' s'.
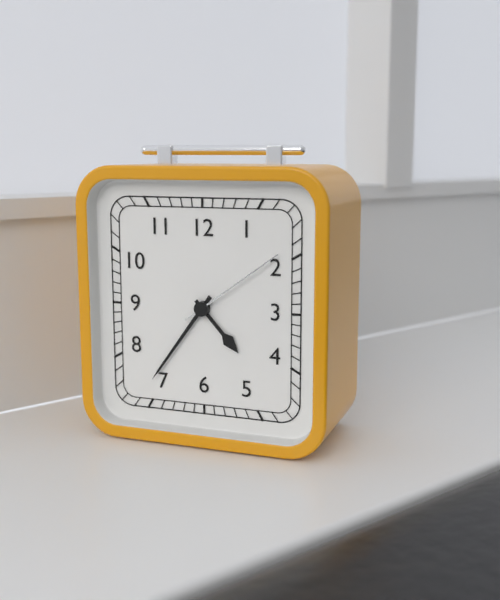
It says 4 h 36 min 09 s
